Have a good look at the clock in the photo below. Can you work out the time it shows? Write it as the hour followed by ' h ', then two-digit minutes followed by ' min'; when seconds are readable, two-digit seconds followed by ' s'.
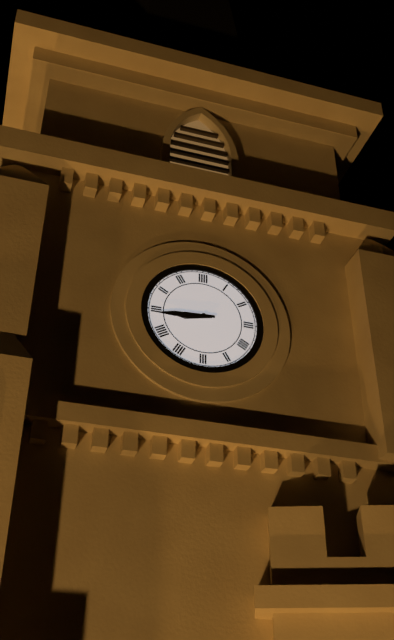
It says 8 h 44 min
